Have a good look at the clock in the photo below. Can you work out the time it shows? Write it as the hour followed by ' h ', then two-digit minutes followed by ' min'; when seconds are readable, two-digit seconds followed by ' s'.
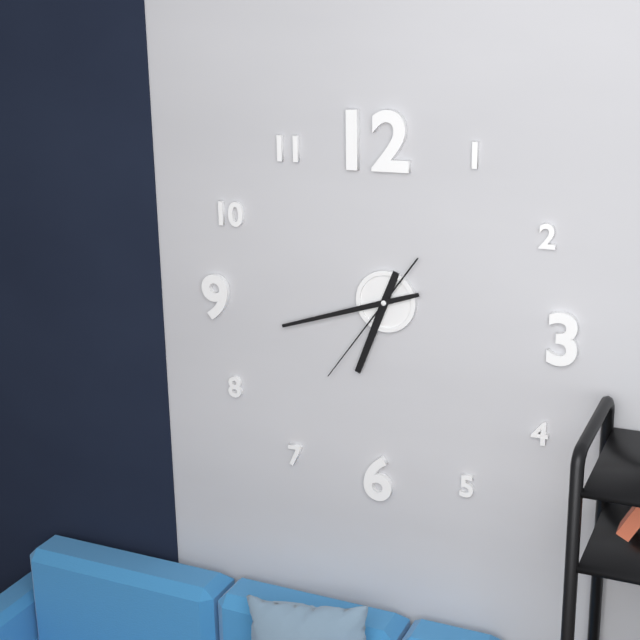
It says 6 h 42 min 36 s
